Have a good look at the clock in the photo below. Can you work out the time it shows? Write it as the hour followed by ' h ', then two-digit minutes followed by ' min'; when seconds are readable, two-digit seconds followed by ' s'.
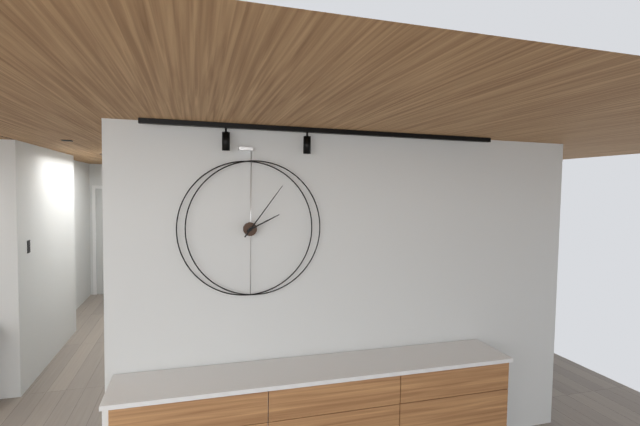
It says 2 h 06 min
